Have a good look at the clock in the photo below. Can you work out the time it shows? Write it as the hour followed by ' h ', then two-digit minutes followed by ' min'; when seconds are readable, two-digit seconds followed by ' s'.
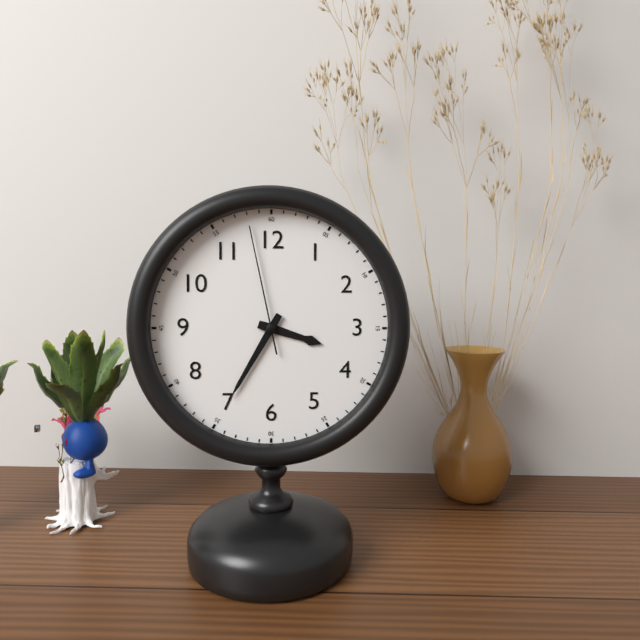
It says 3 h 35 min 58 s
